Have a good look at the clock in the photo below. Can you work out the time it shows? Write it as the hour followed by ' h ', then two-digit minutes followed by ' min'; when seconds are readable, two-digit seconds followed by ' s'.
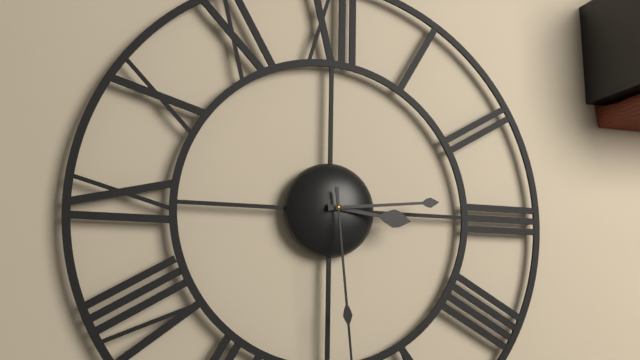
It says 3 h 14 min
